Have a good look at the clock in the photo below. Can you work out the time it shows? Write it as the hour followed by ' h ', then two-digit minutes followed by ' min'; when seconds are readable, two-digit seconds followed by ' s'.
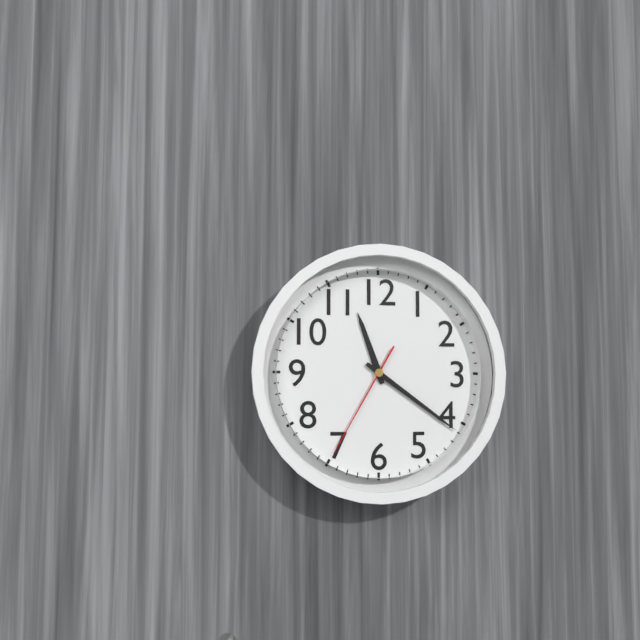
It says 11 h 21 min 35 s
